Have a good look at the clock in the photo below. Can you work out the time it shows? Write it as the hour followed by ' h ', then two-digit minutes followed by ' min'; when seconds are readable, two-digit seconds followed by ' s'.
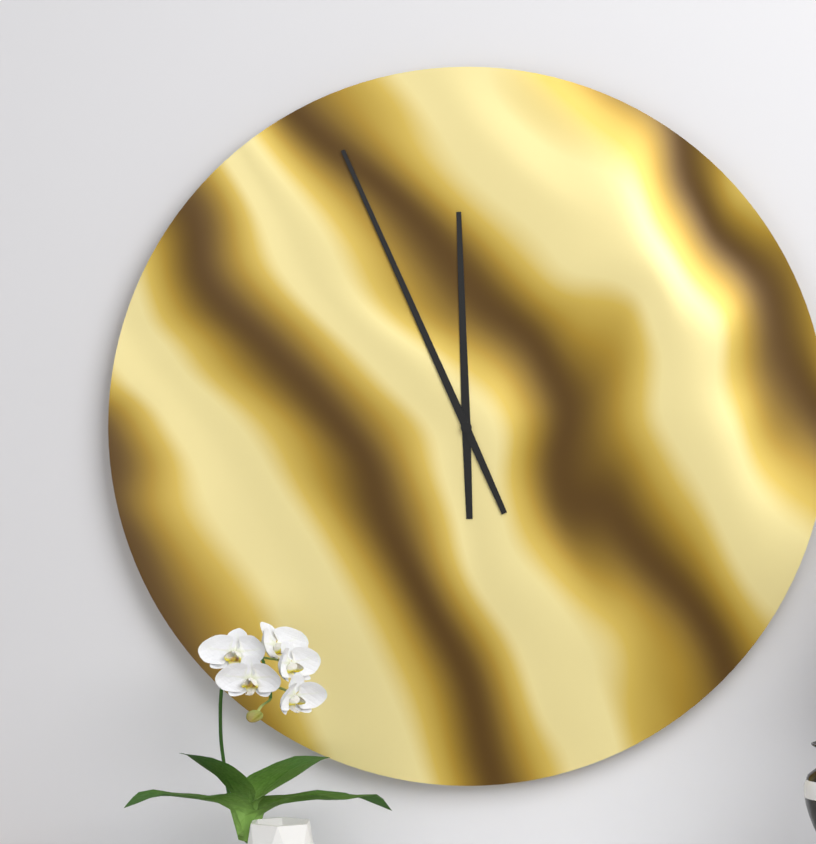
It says 11 h 56 min
